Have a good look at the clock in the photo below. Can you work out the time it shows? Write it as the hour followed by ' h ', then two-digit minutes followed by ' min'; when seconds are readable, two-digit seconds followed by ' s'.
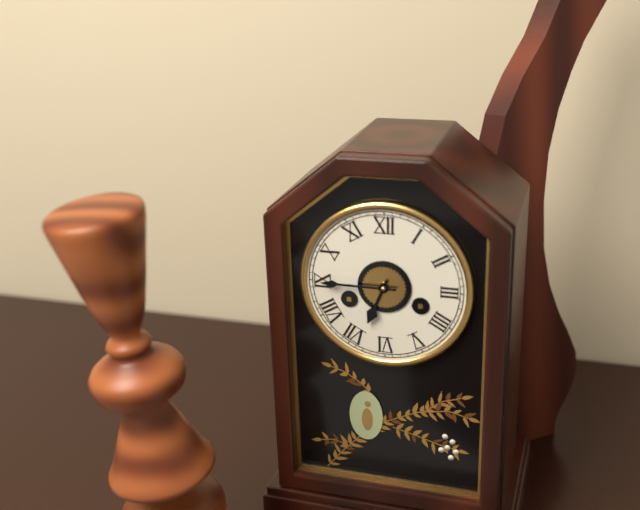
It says 6 h 45 min
